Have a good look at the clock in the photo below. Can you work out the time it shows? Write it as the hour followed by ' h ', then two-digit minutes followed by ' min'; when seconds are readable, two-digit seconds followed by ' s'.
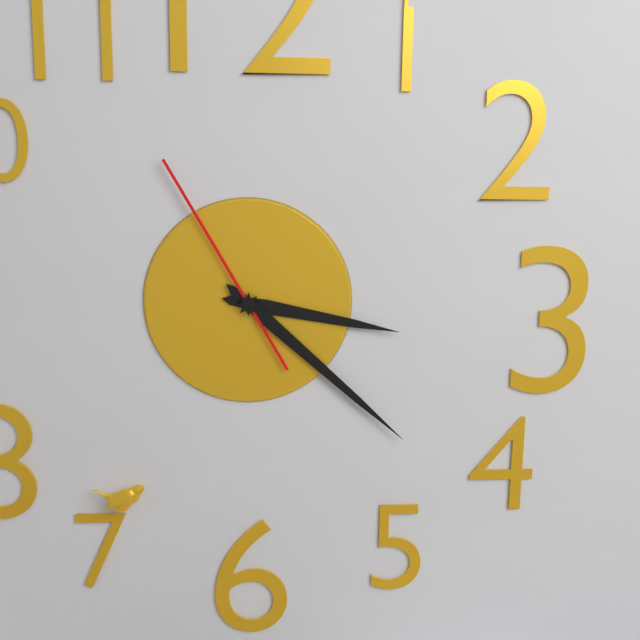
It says 3 h 22 min 55 s
